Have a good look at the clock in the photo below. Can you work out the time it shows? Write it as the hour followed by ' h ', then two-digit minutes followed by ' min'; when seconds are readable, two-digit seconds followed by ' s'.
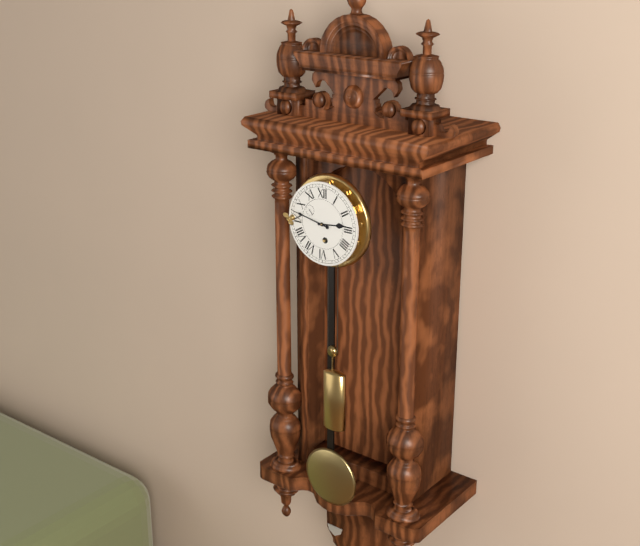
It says 2 h 47 min
